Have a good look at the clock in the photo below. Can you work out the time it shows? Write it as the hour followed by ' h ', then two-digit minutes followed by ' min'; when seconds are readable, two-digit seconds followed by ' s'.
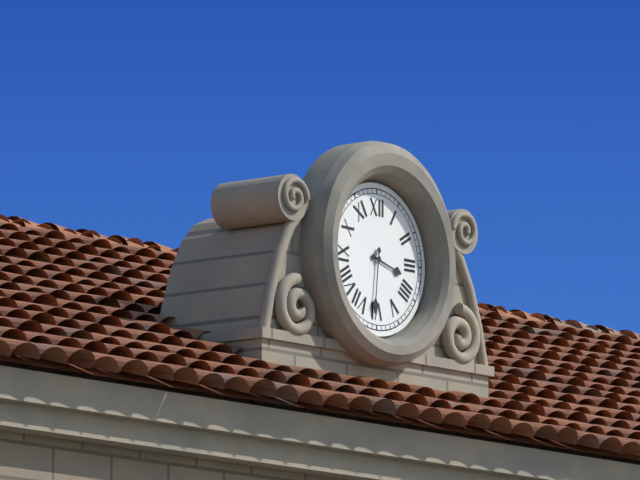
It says 3 h 31 min
